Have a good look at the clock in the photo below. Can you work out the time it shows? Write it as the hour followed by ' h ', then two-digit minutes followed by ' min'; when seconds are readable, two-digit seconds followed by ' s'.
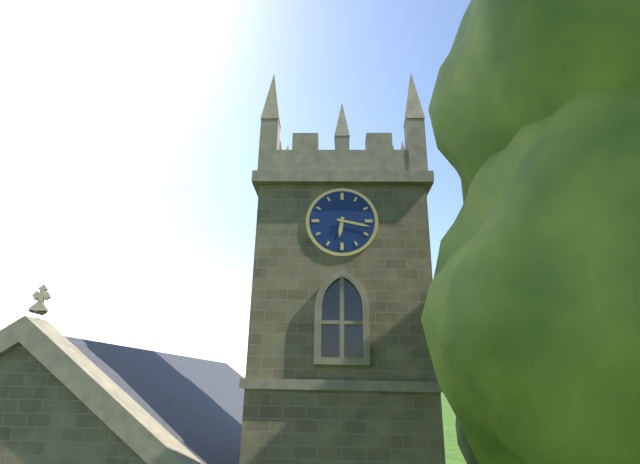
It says 6 h 17 min
